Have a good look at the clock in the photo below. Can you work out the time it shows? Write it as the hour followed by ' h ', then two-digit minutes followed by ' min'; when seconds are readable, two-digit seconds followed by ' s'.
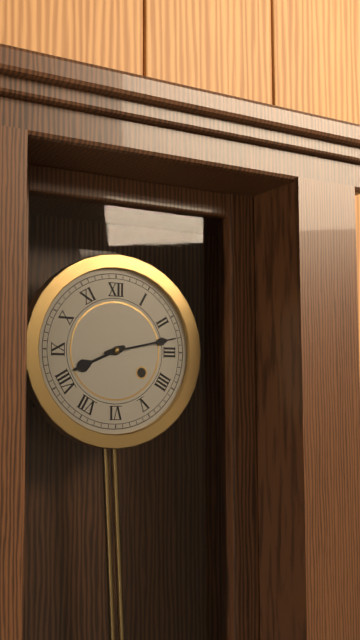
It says 8 h 13 min
